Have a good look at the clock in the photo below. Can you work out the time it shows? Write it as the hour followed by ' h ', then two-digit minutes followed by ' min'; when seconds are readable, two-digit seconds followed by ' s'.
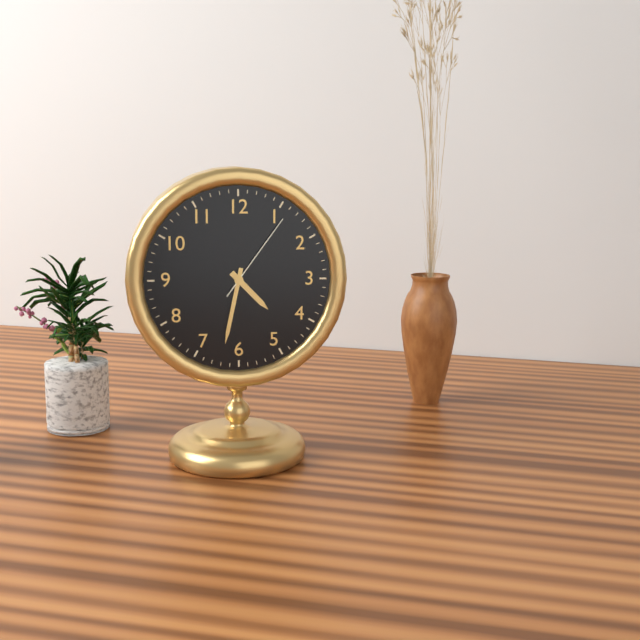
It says 4 h 32 min 06 s
